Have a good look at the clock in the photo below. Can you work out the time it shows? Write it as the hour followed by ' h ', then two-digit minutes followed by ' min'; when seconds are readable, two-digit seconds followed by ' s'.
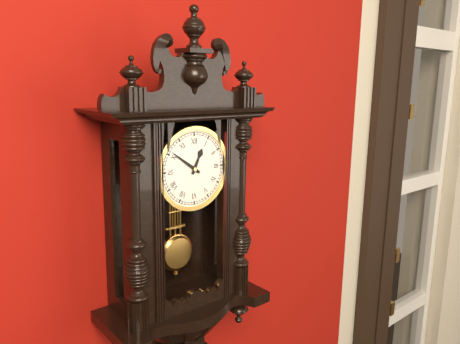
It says 12 h 51 min
